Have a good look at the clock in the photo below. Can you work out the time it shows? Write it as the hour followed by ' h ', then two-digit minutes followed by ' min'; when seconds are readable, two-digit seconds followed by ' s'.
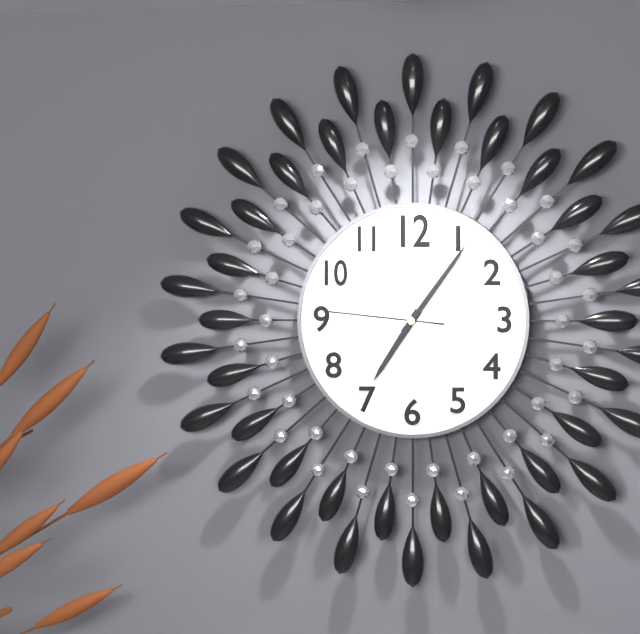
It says 7 h 06 min 46 s
